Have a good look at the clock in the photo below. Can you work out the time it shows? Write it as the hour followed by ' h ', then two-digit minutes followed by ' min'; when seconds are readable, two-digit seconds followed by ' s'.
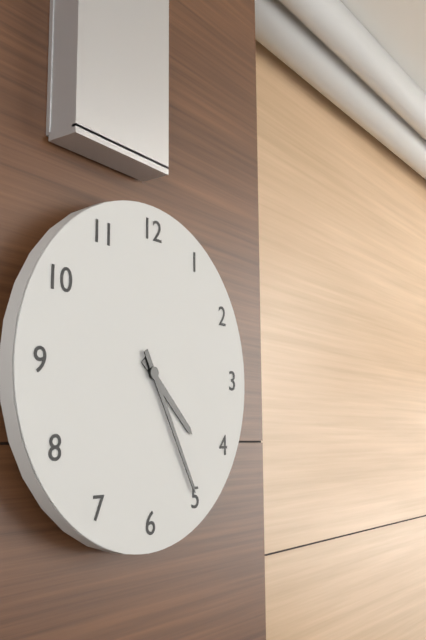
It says 4 h 25 min
